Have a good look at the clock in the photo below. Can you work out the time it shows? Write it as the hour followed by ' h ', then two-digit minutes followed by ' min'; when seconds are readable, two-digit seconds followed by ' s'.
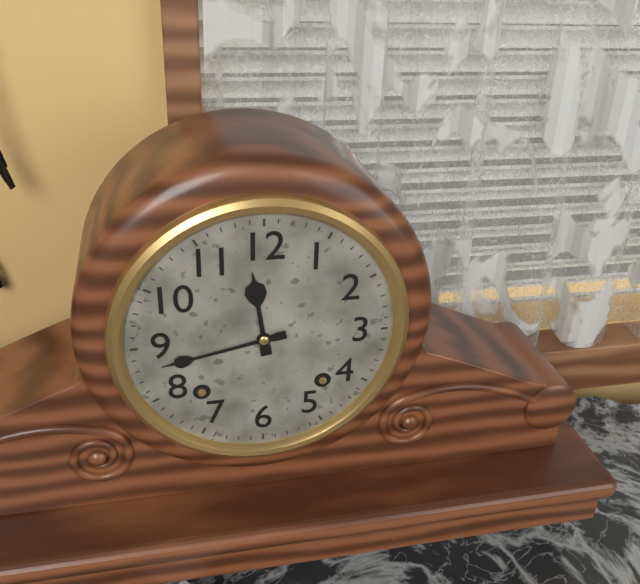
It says 11 h 43 min
